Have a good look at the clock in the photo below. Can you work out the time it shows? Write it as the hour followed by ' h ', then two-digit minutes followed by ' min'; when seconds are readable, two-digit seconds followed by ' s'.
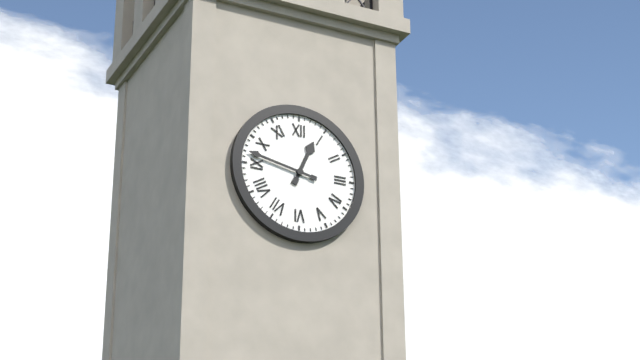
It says 12 h 47 min
